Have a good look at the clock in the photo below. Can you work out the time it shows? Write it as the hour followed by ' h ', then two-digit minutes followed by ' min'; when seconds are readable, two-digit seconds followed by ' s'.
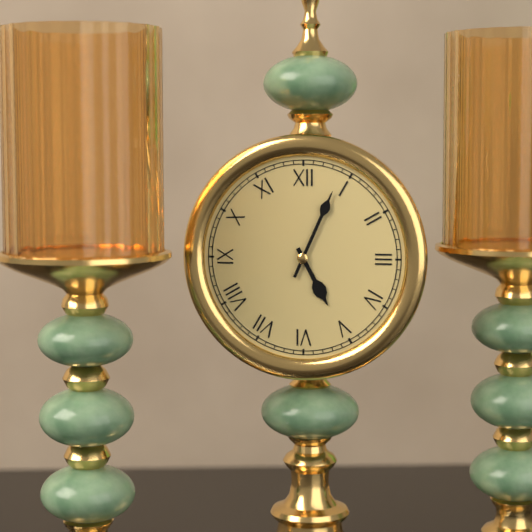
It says 5 h 04 min
